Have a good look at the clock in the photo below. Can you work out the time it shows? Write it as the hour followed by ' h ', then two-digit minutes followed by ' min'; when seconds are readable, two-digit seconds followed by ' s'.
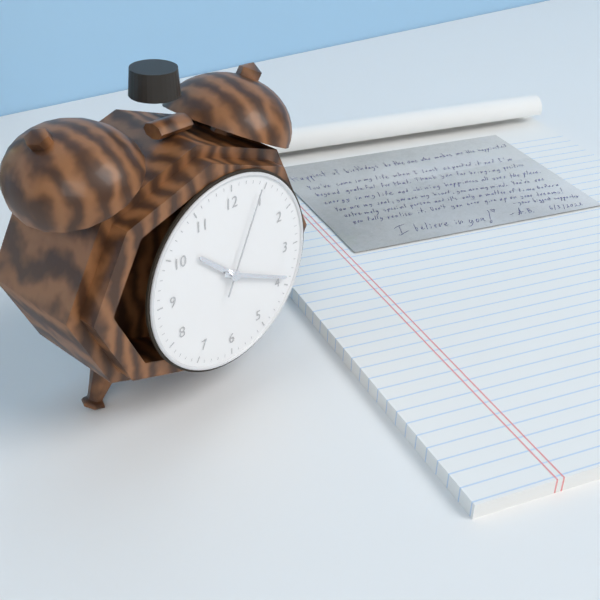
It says 10 h 19 min 04 s
